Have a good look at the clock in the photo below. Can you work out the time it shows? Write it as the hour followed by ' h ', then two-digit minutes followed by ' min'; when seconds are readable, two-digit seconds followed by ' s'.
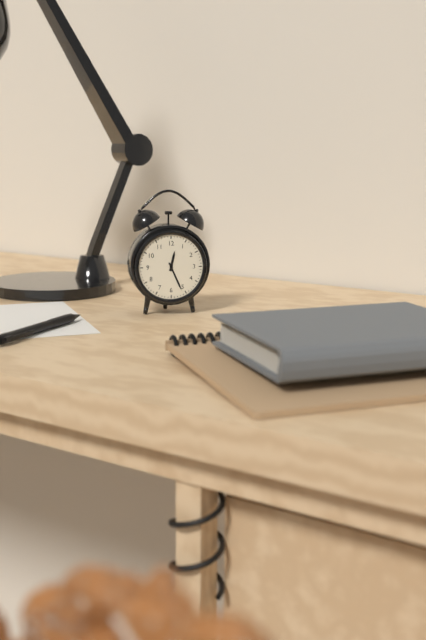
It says 12 h 26 min
